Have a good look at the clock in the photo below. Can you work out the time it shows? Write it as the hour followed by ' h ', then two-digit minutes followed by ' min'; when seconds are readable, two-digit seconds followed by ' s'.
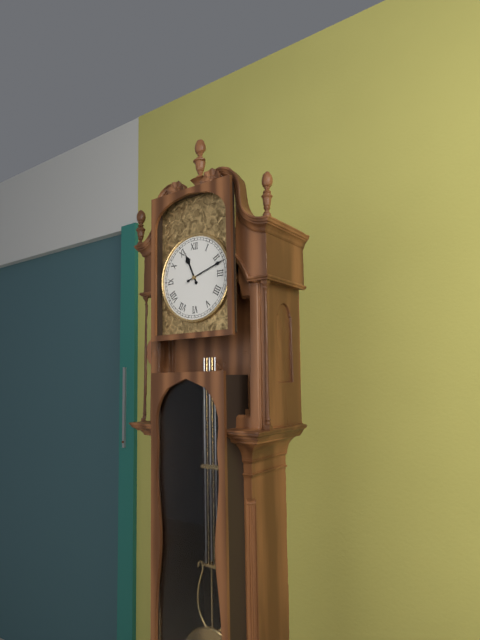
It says 11 h 12 min
